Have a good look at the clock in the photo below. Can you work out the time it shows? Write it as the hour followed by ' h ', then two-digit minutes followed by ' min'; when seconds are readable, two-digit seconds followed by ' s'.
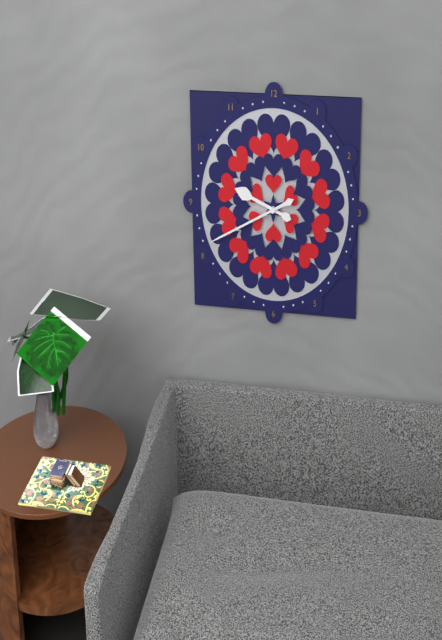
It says 9 h 41 min
